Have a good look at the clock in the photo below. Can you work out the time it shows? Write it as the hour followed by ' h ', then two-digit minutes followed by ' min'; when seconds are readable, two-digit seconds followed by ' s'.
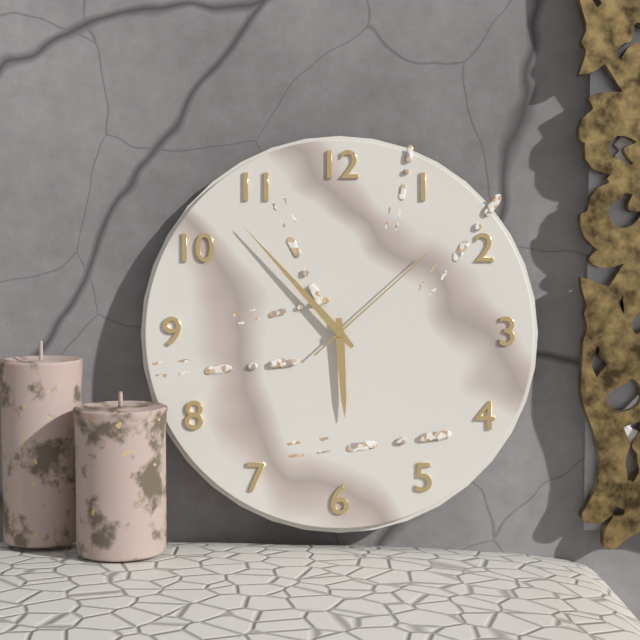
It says 5 h 53 min 08 s
